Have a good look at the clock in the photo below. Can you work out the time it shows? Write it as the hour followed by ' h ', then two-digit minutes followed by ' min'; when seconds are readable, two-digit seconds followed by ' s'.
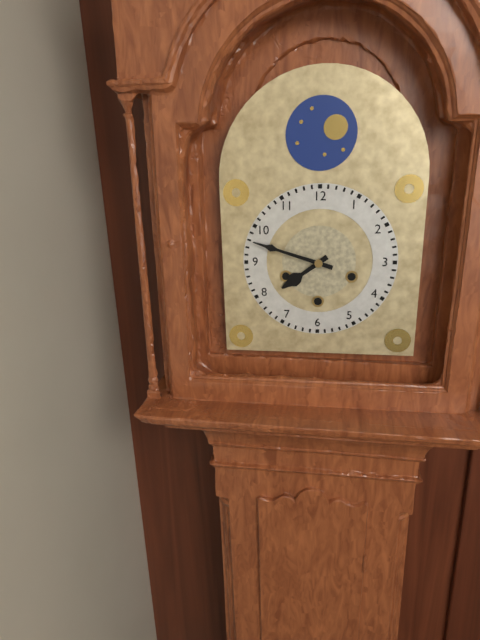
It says 7 h 48 min
